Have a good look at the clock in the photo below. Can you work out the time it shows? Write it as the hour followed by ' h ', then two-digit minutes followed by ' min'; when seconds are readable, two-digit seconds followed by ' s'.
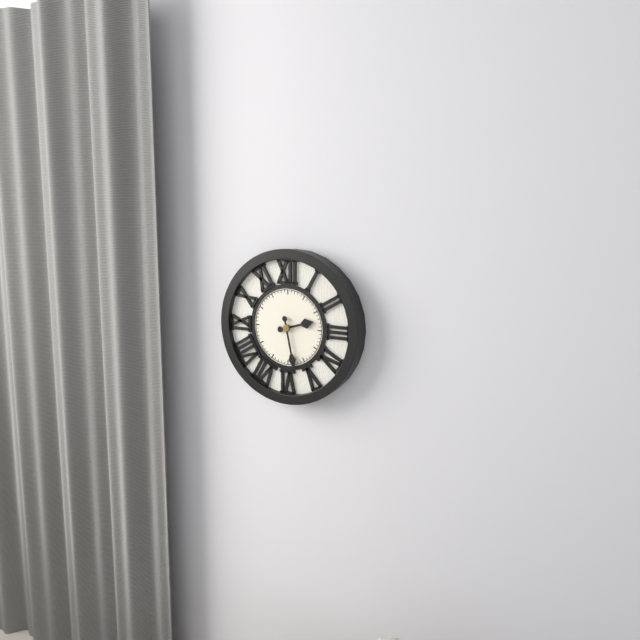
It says 2 h 28 min
